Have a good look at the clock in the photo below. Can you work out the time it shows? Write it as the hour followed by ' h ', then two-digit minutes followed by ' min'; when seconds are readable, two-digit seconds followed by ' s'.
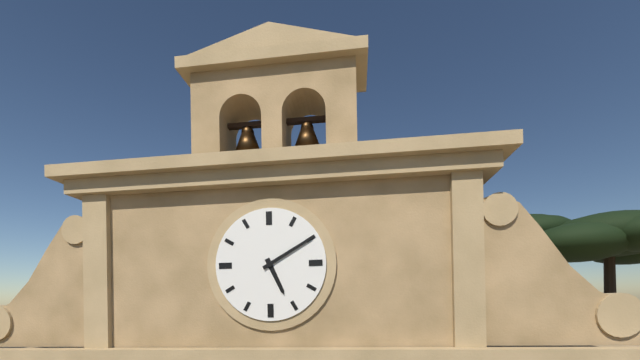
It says 5 h 10 min
